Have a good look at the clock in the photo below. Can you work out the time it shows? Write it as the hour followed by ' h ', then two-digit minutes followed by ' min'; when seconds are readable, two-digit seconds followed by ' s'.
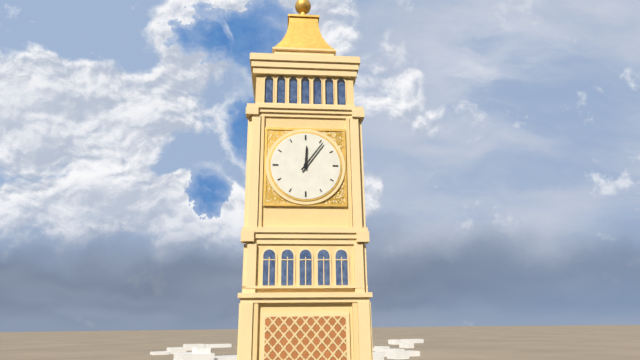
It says 12 h 06 min
